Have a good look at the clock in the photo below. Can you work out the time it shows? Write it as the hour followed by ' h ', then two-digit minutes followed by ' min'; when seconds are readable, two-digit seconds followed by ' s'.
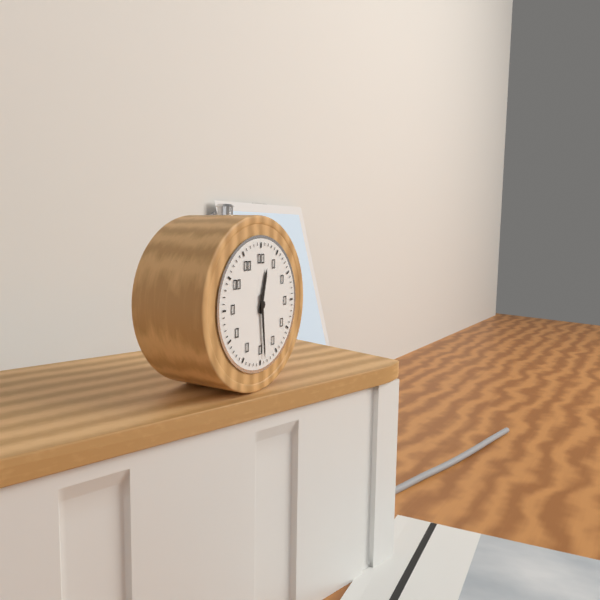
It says 12 h 29 min
